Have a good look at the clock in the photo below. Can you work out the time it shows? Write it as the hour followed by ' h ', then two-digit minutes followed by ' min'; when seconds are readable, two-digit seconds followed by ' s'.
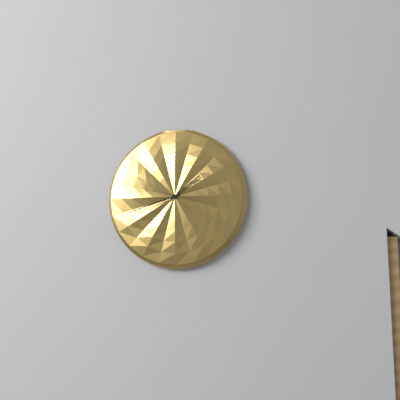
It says 1 h 42 min
